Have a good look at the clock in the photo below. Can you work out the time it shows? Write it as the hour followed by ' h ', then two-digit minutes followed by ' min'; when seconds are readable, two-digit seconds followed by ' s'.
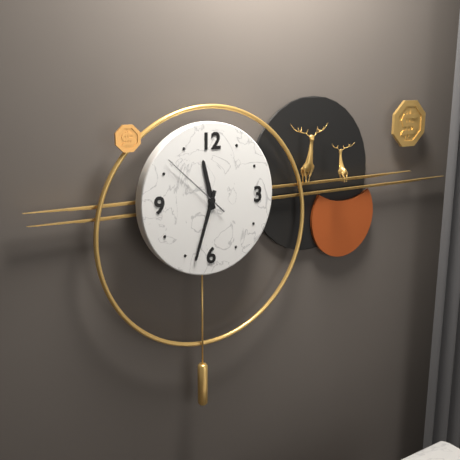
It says 11 h 33 min 52 s
